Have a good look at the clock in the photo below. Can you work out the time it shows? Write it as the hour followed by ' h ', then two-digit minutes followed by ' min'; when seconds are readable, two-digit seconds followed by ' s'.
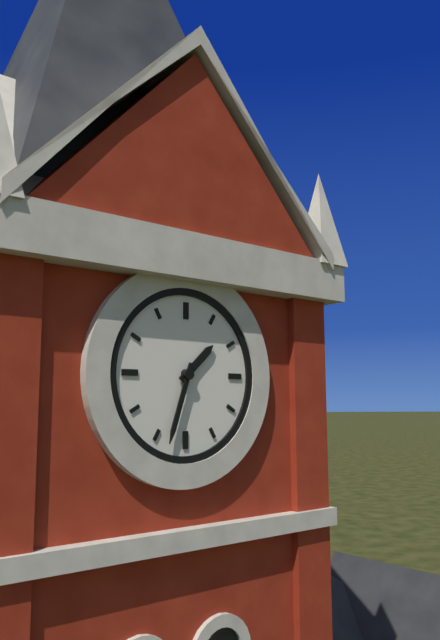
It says 1 h 33 min
